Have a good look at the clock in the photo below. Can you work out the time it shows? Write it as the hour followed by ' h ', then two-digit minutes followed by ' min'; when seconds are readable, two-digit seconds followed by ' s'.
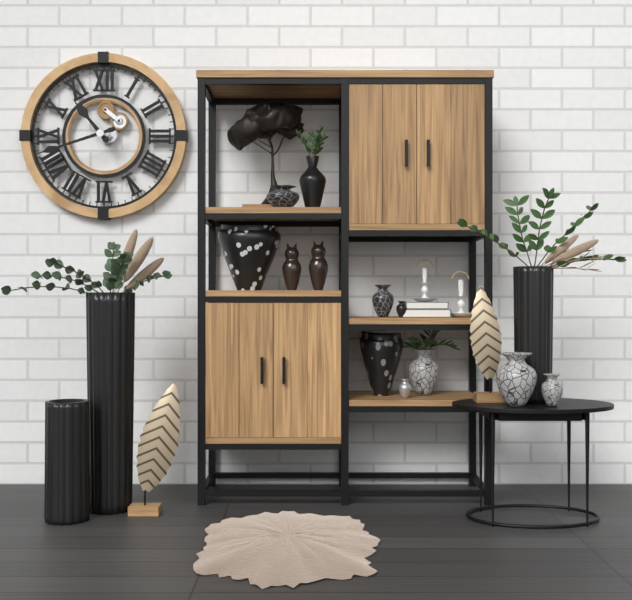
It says 10 h 42 min
